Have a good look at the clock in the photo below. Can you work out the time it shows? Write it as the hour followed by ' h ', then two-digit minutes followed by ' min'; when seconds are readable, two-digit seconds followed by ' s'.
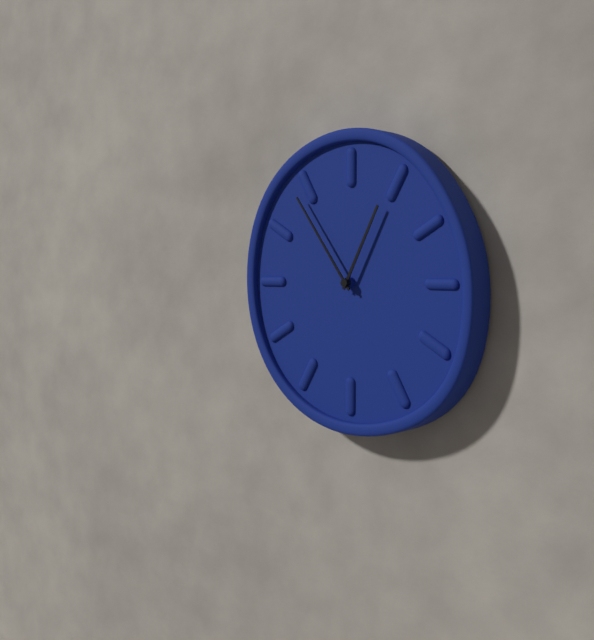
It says 12 h 54 min
